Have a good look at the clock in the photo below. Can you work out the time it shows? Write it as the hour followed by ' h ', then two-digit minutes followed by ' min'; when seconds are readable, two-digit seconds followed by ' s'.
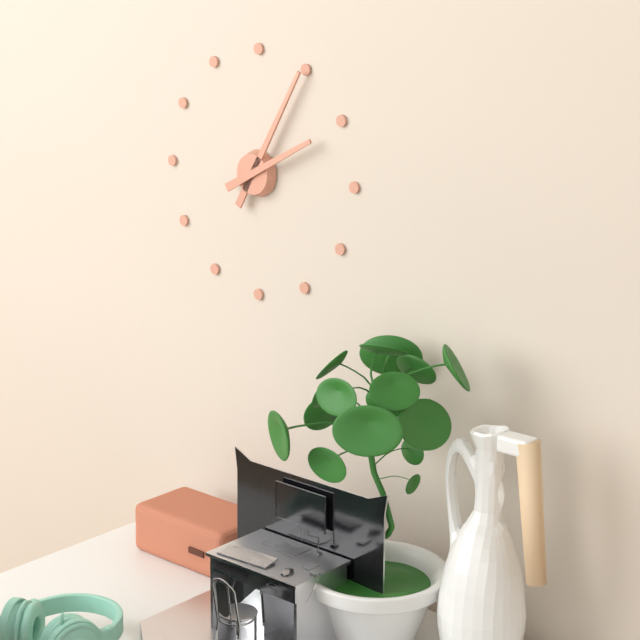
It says 2 h 05 min
